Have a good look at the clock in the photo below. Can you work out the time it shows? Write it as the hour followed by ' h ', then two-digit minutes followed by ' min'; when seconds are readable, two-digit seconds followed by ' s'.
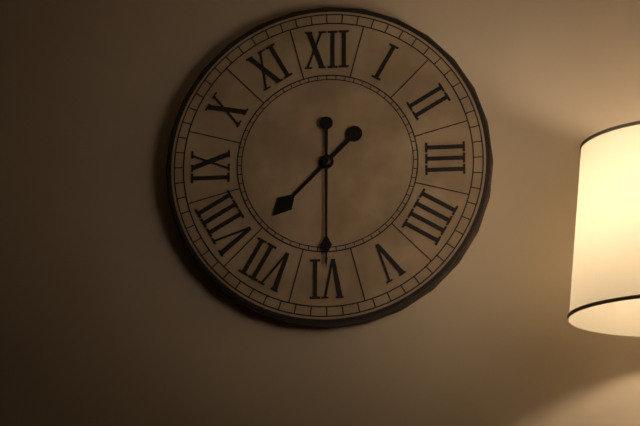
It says 7 h 30 min
